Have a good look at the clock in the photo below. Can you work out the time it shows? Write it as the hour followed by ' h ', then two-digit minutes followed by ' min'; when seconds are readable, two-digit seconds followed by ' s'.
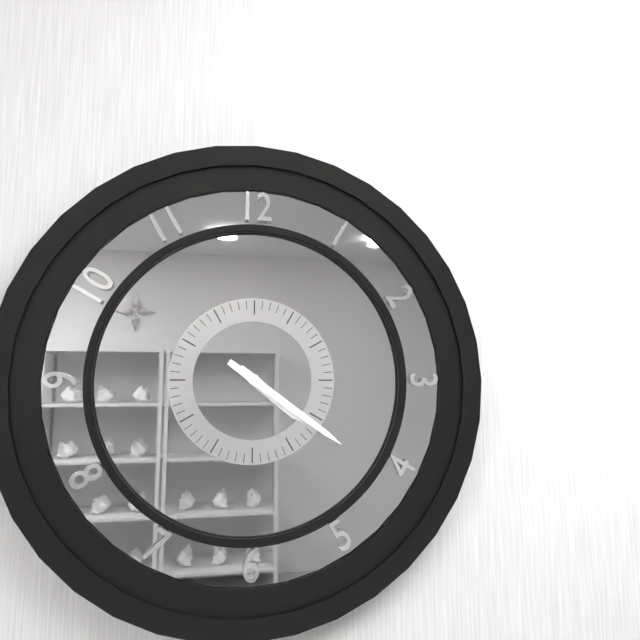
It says 4 h 21 min
